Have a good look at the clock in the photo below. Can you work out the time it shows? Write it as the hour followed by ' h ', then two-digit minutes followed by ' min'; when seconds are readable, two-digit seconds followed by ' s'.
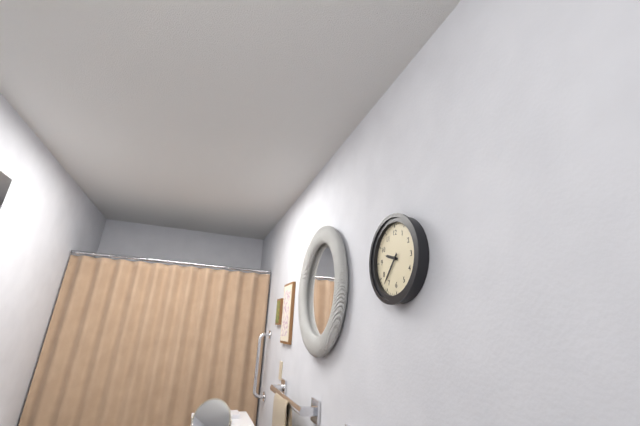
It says 9 h 37 min
